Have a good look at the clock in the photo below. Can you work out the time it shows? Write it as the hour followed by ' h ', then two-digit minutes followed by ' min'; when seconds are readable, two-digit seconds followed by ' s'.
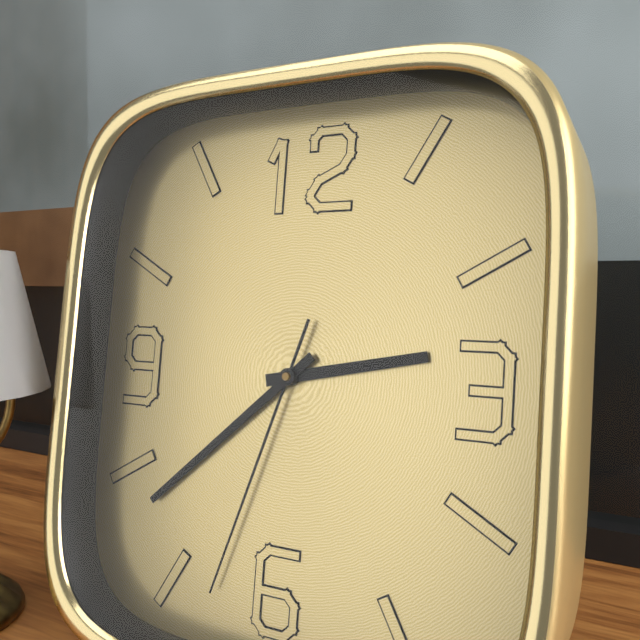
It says 2 h 38 min 33 s
